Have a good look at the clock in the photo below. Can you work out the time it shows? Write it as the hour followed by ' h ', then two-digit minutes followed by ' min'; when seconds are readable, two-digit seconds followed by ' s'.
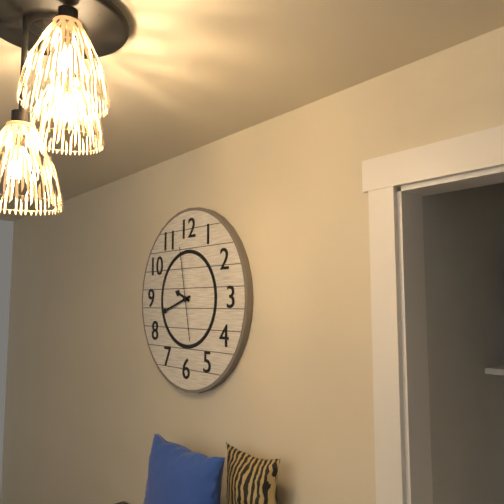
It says 9 h 42 min 58 s
